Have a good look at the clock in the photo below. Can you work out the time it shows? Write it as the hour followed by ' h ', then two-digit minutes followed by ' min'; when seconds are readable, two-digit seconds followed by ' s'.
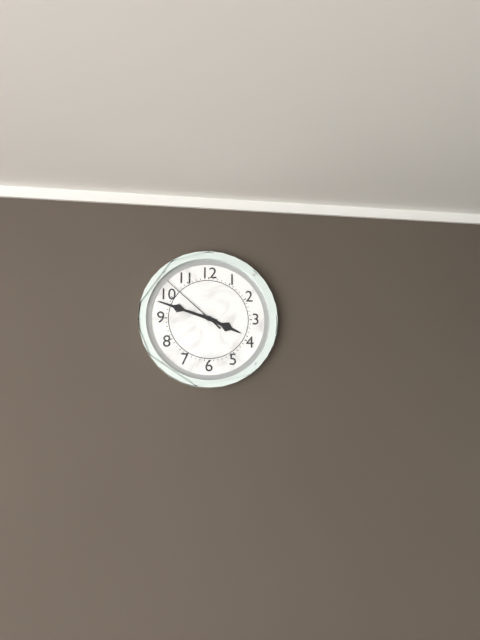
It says 3 h 48 min 52 s
